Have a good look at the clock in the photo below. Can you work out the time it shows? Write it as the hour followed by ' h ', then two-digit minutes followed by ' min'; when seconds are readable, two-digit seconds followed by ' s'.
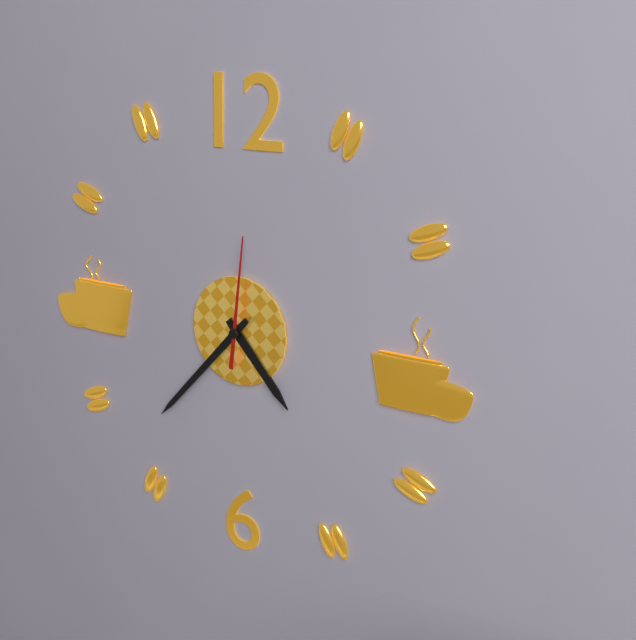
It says 4 h 37 min 01 s
